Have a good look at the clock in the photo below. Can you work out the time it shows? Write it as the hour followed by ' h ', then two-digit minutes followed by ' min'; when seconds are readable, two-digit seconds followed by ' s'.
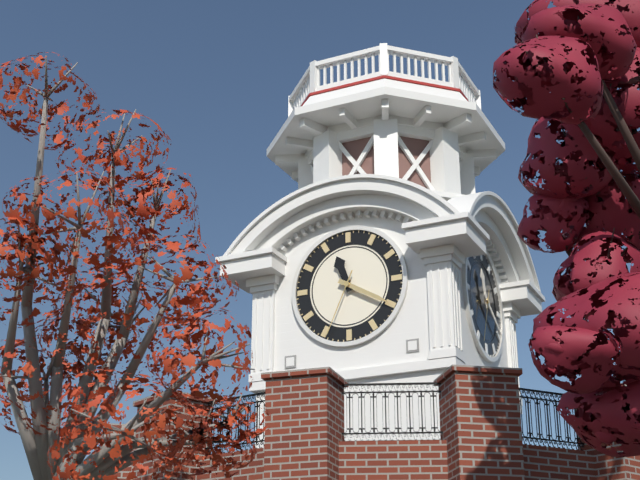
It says 11 h 20 min 34 s
